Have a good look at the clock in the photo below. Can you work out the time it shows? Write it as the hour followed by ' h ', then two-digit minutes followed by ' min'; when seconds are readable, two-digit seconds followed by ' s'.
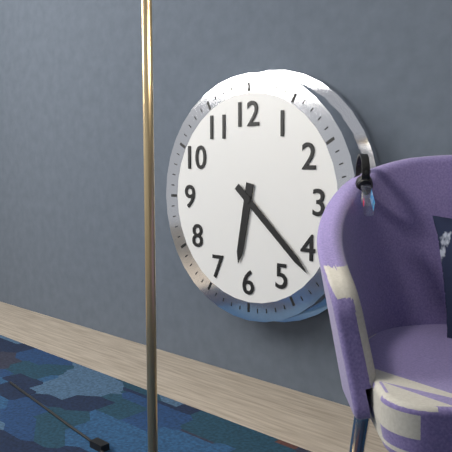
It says 6 h 22 min
